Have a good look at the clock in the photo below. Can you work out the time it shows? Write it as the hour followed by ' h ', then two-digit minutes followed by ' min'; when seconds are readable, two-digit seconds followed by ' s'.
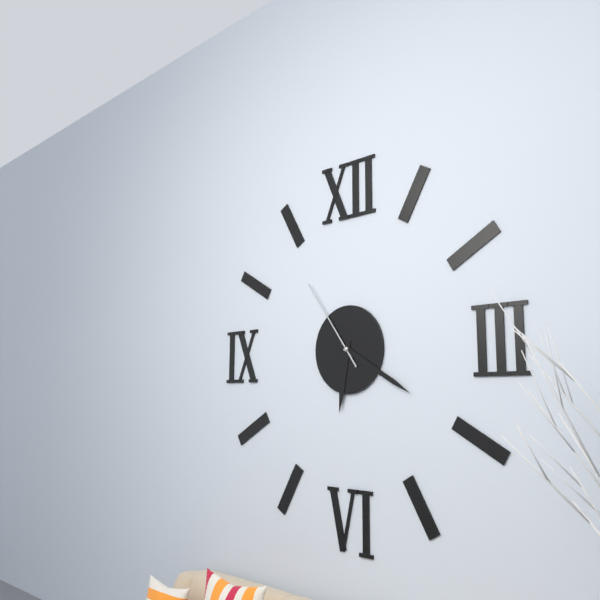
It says 6 h 20 min 54 s
